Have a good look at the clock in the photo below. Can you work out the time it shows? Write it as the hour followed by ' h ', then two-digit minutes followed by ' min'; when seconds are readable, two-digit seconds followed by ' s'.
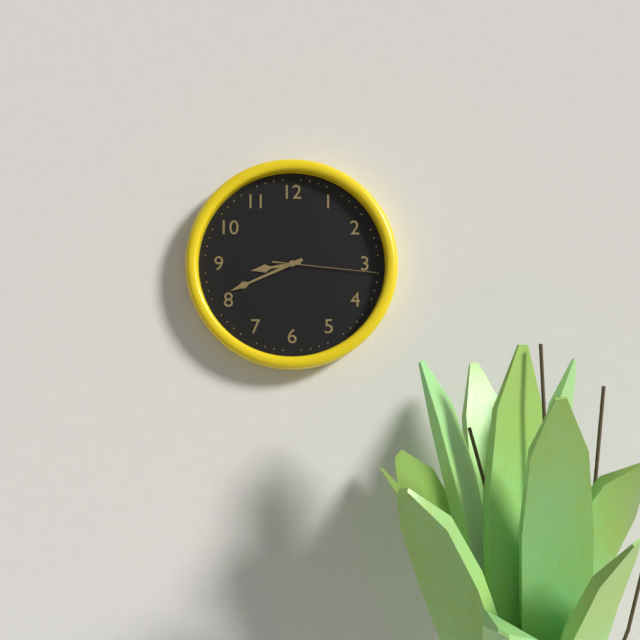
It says 8 h 41 min 16 s
